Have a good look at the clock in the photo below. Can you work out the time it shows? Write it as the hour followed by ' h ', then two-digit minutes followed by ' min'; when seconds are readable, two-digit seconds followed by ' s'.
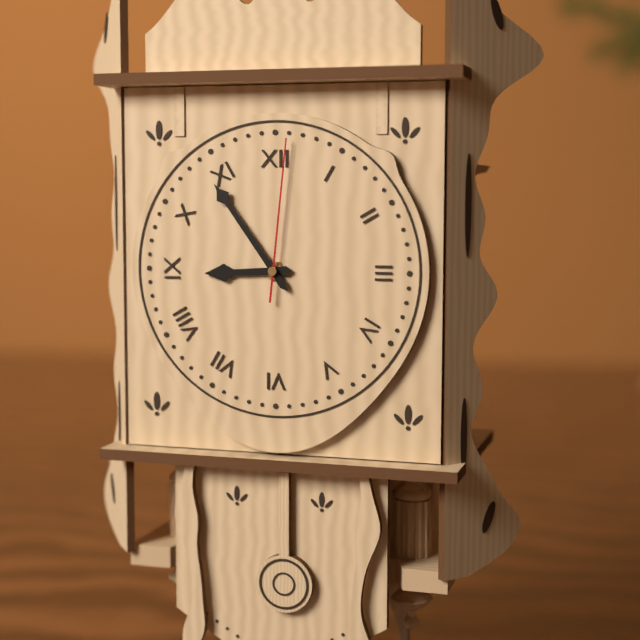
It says 8 h 54 min 01 s
